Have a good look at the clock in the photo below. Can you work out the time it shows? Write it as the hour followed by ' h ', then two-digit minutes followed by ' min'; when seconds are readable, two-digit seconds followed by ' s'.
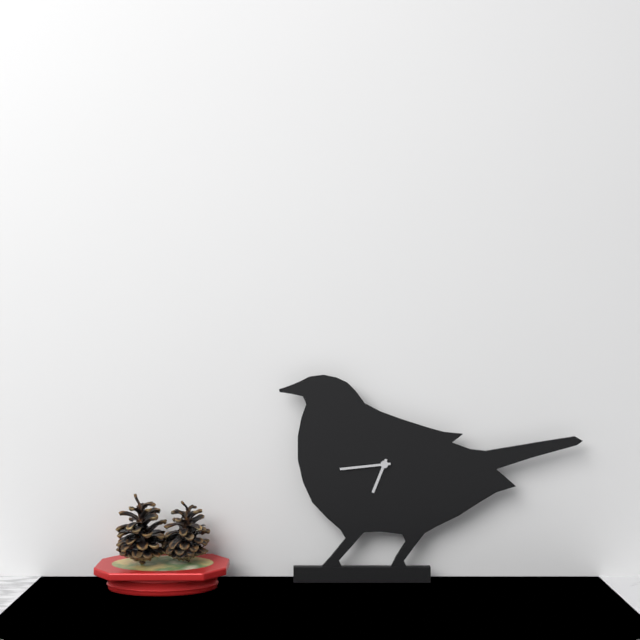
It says 6 h 44 min
